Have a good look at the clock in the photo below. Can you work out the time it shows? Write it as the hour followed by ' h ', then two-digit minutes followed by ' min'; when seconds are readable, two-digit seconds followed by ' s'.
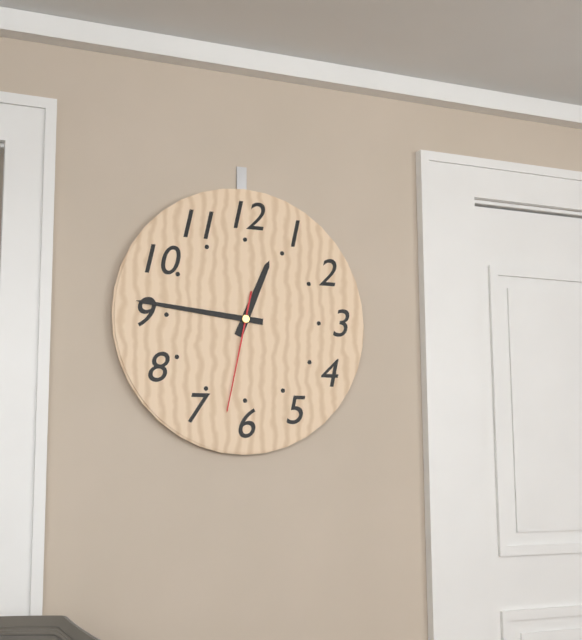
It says 12 h 46 min 32 s
